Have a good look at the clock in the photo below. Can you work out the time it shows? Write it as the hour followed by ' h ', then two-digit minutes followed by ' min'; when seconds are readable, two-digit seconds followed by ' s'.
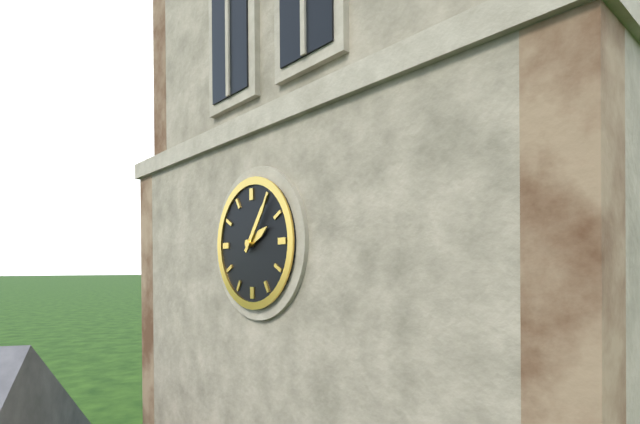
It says 2 h 06 min
